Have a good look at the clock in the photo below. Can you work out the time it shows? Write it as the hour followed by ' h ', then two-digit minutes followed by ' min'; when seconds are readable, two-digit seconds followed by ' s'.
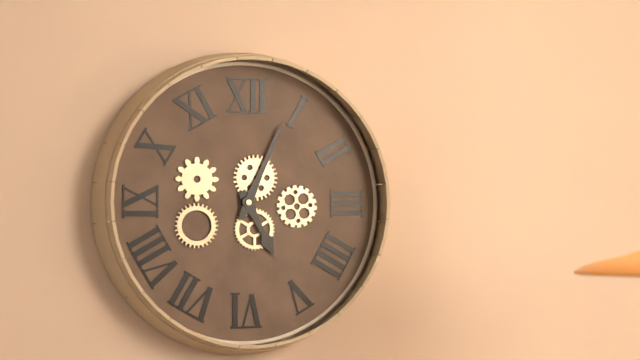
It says 5 h 04 min
